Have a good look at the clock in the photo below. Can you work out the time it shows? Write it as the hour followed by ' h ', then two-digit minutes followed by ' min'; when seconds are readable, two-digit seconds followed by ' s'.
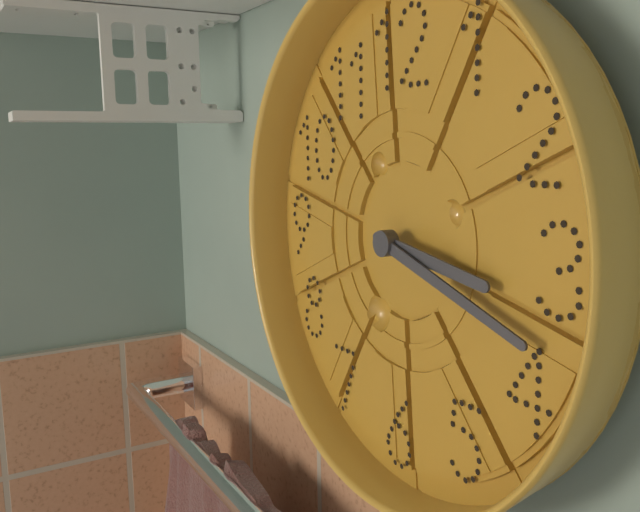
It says 3 h 18 min
